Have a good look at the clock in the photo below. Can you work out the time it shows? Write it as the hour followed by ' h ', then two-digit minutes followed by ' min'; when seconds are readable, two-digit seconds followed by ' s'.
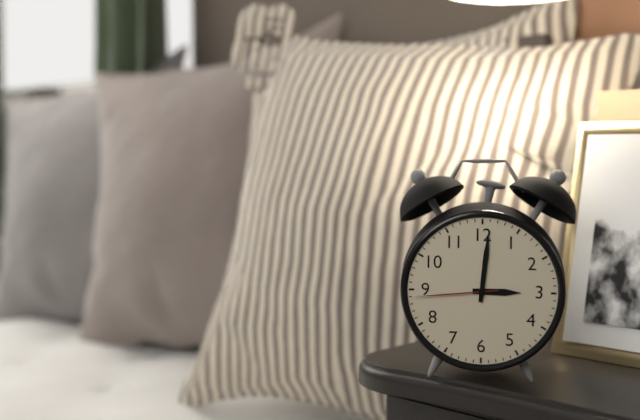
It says 3 h 01 min 44 s
